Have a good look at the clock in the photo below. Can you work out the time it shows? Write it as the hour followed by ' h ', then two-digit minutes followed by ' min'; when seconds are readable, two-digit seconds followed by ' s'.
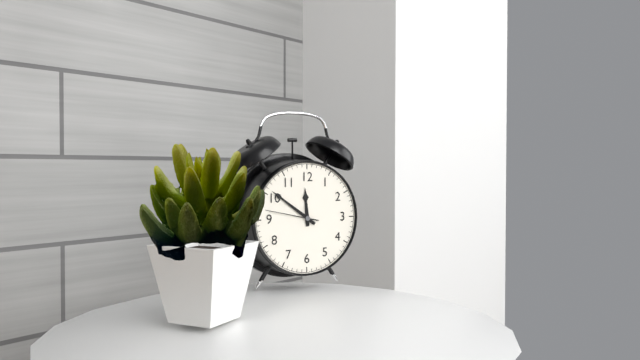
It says 11 h 51 min 47 s
